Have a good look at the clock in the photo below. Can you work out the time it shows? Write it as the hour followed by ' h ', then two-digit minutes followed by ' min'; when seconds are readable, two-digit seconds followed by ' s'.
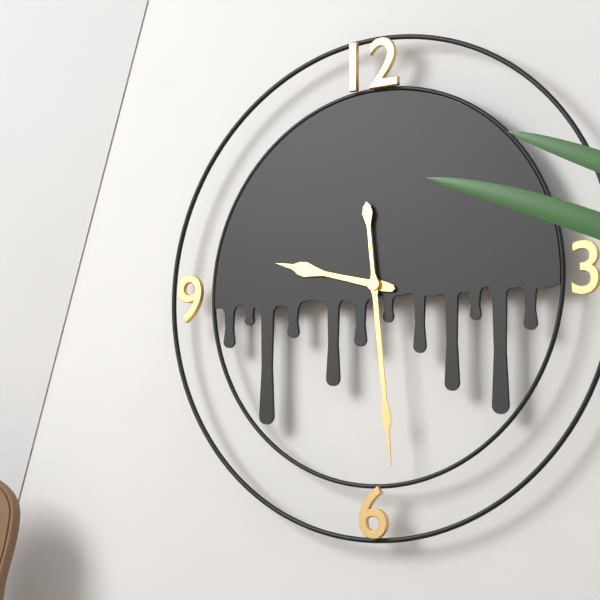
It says 9 h 29 min
